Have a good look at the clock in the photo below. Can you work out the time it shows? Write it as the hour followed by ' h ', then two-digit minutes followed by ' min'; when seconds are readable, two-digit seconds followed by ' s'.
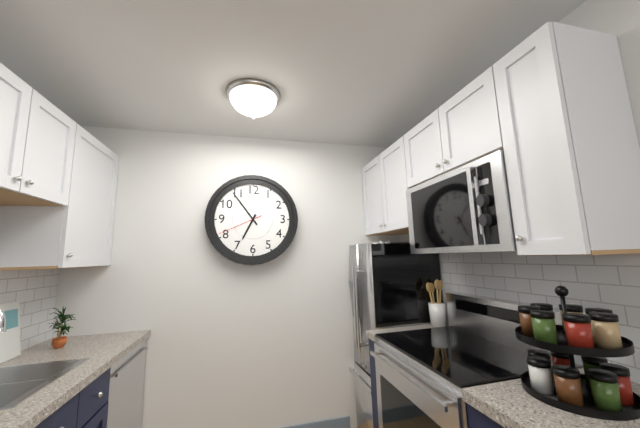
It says 6 h 54 min
